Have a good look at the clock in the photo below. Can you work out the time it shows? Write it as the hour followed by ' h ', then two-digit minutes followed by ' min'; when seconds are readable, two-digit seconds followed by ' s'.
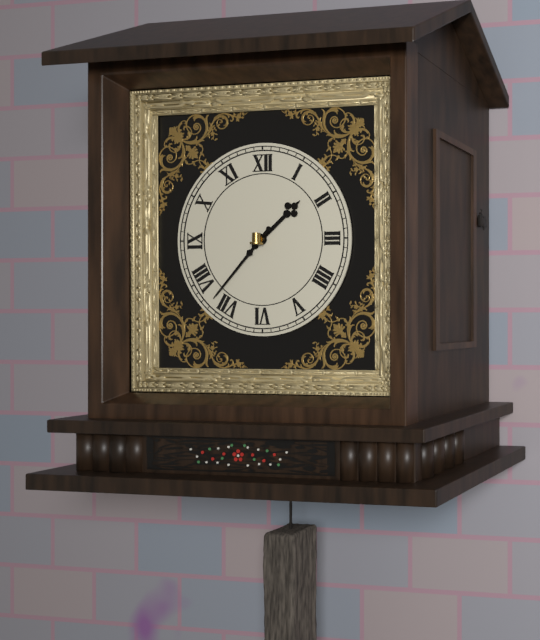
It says 1 h 37 min
